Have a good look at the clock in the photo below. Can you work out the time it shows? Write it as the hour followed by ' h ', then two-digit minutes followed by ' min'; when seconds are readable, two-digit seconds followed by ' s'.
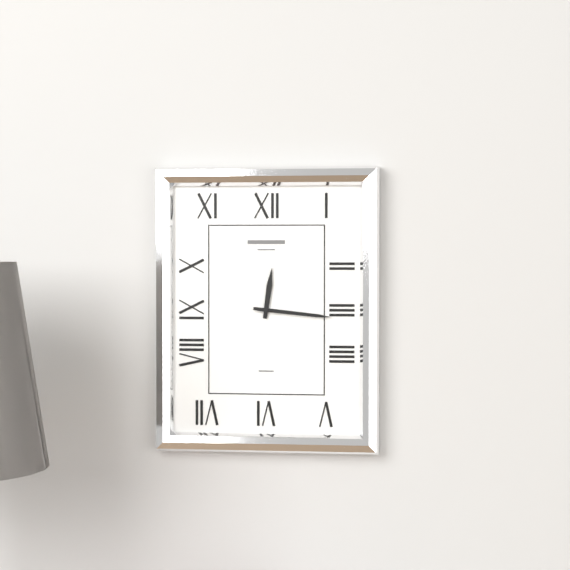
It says 12 h 16 min
